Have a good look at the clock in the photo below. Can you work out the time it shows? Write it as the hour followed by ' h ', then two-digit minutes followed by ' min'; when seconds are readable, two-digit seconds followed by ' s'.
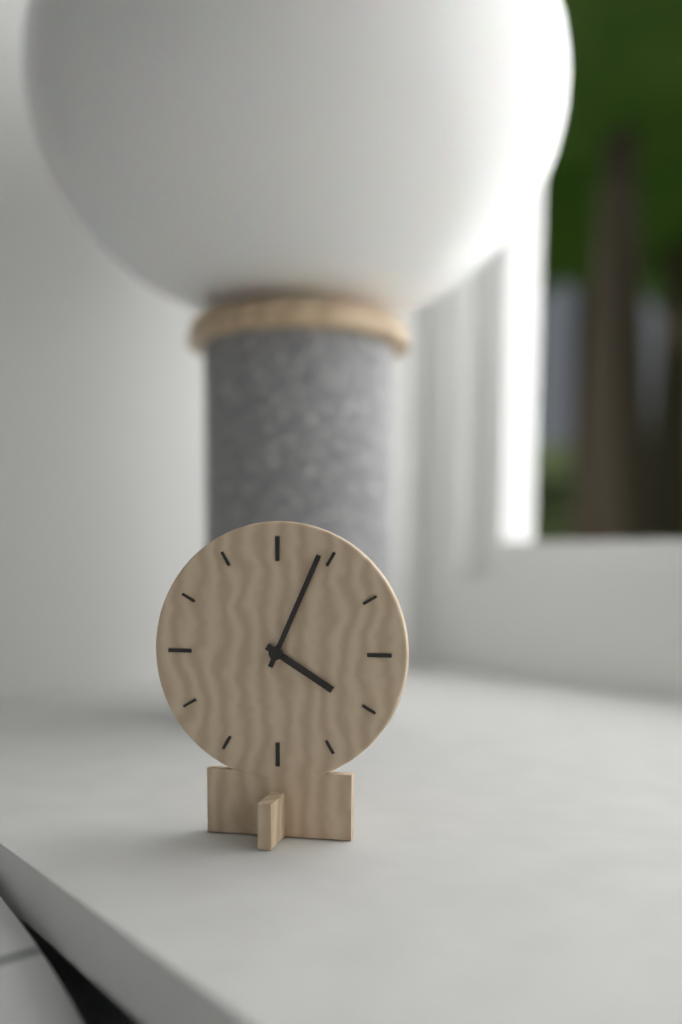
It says 4 h 04 min
